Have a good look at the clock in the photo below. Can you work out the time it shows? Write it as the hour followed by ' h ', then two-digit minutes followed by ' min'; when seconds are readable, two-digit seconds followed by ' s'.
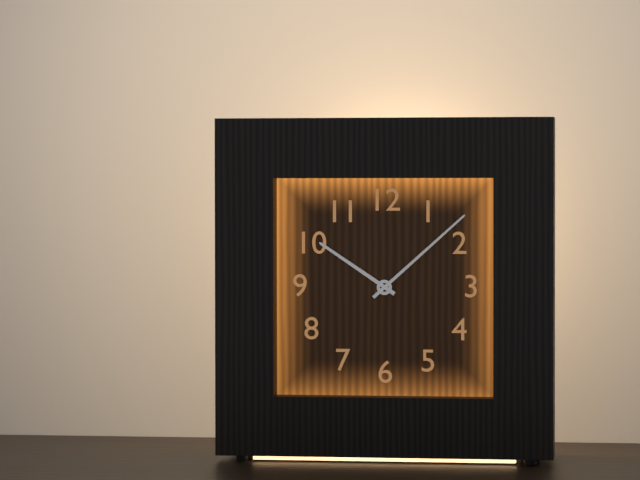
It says 10 h 08 min
